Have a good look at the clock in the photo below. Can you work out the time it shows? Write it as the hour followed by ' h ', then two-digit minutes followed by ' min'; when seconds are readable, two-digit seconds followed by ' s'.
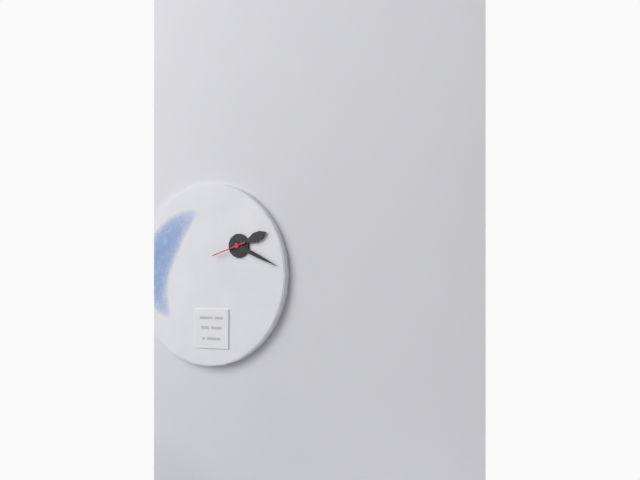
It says 2 h 19 min
